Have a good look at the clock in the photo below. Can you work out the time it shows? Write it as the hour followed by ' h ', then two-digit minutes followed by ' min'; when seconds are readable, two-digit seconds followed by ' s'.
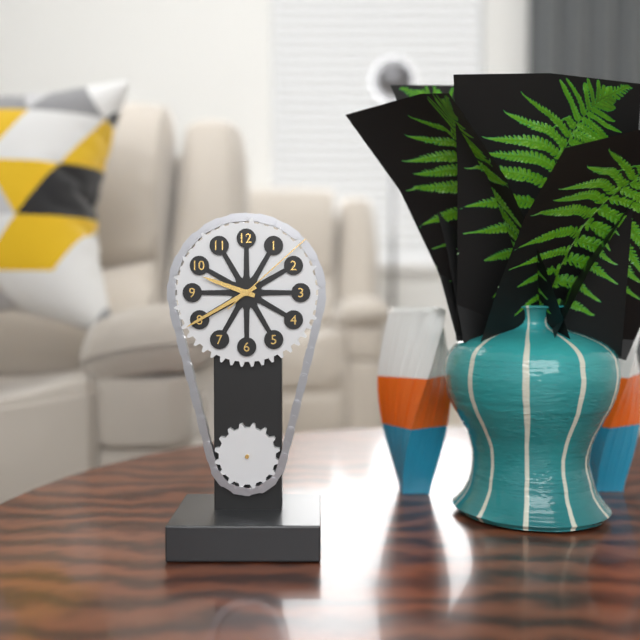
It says 9 h 40 min 08 s
